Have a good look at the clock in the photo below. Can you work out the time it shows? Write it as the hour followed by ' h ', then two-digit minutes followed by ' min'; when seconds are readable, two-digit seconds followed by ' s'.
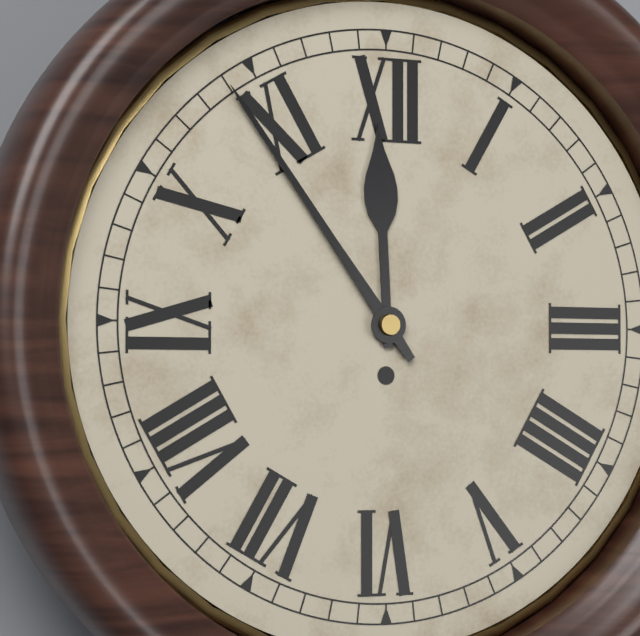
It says 11 h 54 min
